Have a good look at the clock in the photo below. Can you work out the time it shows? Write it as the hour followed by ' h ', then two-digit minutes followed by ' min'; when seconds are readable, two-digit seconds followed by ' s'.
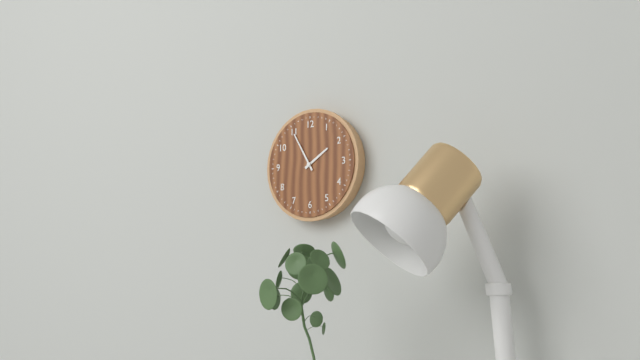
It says 1 h 55 min
